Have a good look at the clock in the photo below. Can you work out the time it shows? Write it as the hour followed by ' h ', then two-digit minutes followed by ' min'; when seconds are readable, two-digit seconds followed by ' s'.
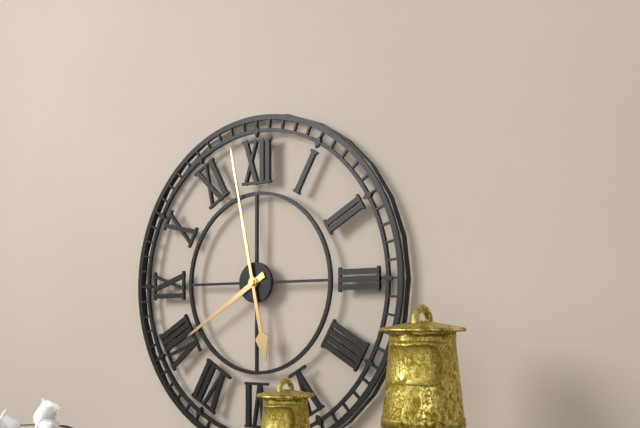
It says 7 h 58 min
